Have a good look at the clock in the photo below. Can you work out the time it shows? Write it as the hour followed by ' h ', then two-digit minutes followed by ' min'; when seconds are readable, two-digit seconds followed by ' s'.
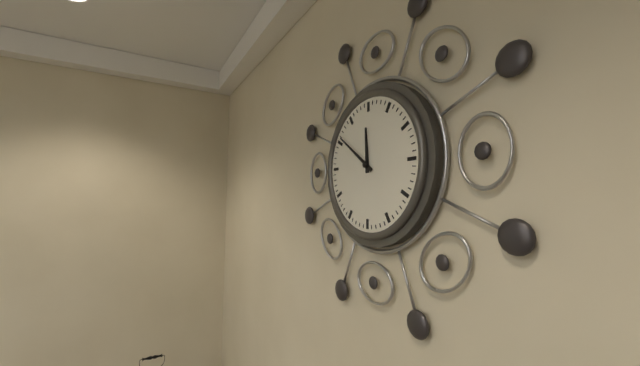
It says 11 h 51 min
